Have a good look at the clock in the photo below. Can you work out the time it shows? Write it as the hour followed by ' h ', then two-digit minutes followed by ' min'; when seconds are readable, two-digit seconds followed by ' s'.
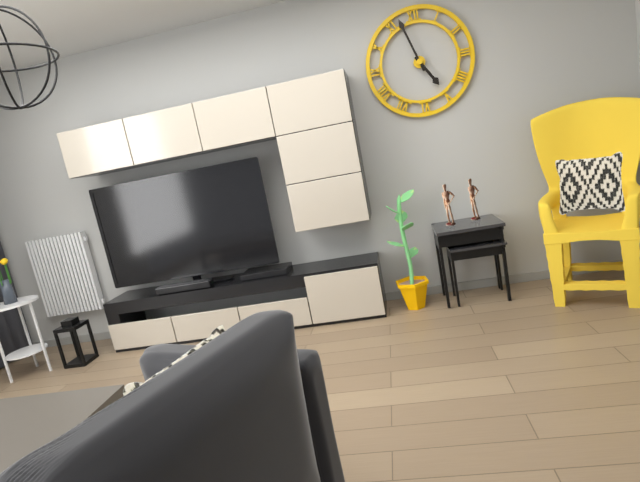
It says 4 h 57 min
